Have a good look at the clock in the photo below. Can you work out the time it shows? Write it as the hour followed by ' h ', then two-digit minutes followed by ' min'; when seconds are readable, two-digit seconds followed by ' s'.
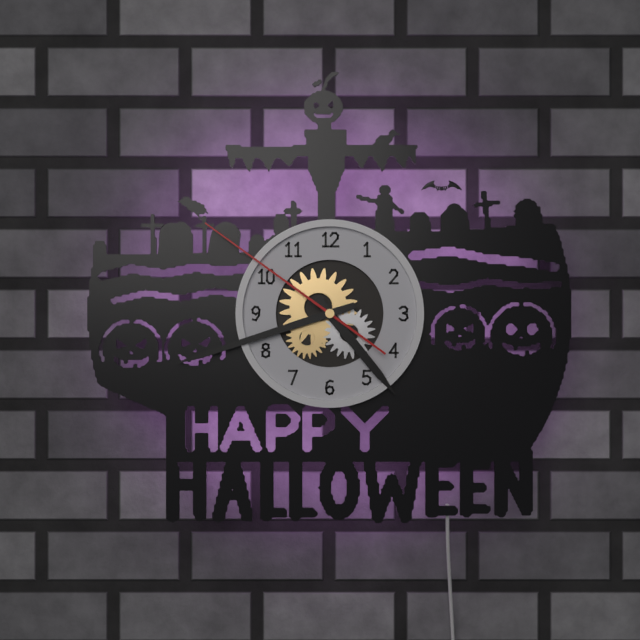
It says 4 h 42 min 51 s
